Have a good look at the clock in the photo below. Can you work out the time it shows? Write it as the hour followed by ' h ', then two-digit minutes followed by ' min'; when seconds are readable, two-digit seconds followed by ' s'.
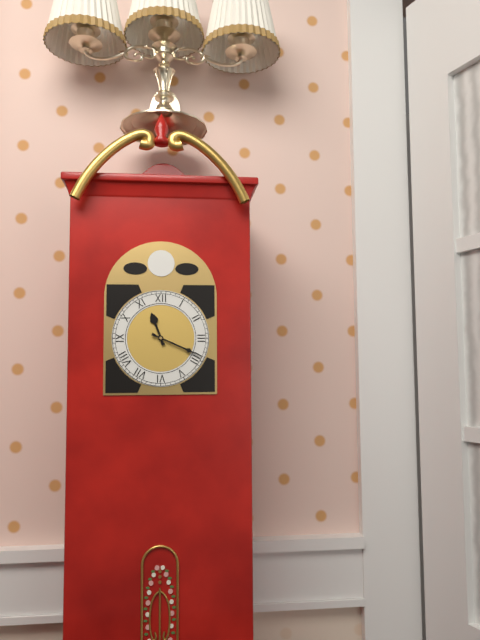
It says 11 h 19 min
